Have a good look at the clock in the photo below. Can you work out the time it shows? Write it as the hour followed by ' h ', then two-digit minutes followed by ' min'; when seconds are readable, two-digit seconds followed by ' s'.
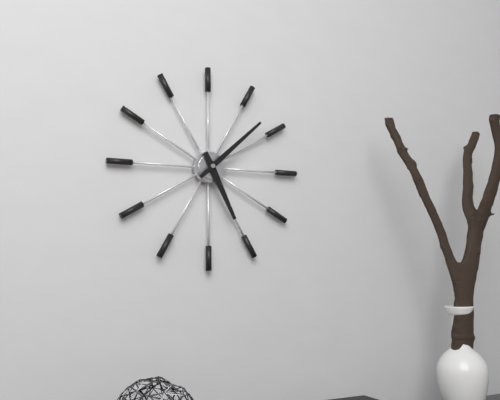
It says 5 h 08 min
